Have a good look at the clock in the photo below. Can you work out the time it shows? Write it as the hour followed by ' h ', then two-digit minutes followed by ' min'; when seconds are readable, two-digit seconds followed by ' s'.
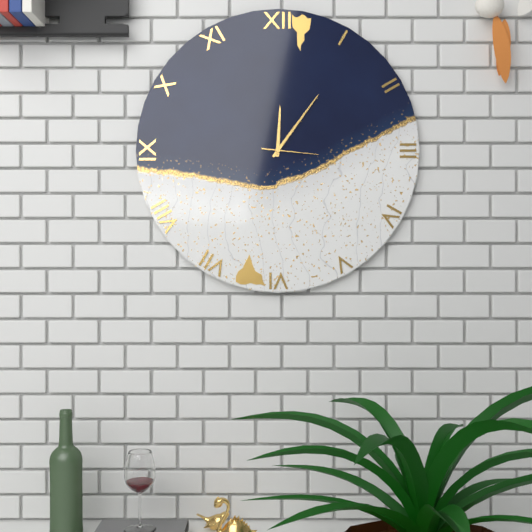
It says 12 h 06 min 16 s
